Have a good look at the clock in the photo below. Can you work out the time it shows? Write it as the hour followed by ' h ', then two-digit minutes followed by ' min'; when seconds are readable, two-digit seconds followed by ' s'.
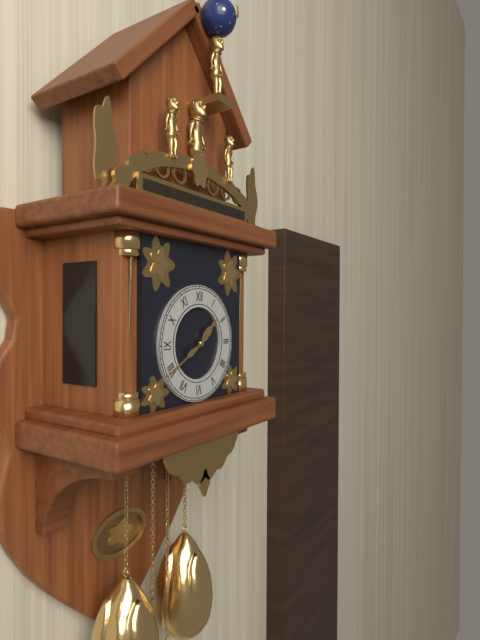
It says 1 h 40 min
